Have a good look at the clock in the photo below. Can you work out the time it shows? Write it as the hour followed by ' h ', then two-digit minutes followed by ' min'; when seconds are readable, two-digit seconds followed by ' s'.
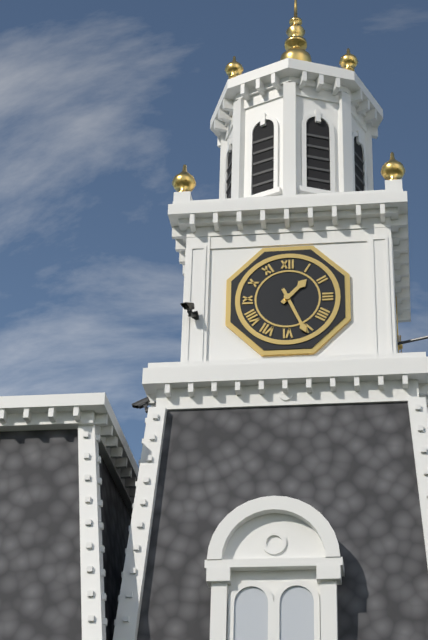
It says 1 h 26 min
